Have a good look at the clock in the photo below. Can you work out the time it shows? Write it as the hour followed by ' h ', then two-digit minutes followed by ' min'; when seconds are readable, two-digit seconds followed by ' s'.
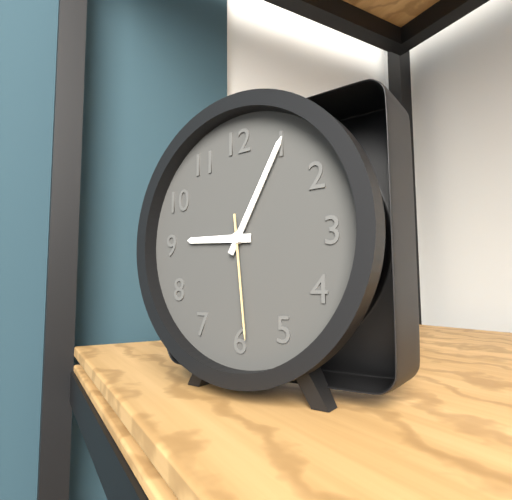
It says 9 h 05 min 29 s
